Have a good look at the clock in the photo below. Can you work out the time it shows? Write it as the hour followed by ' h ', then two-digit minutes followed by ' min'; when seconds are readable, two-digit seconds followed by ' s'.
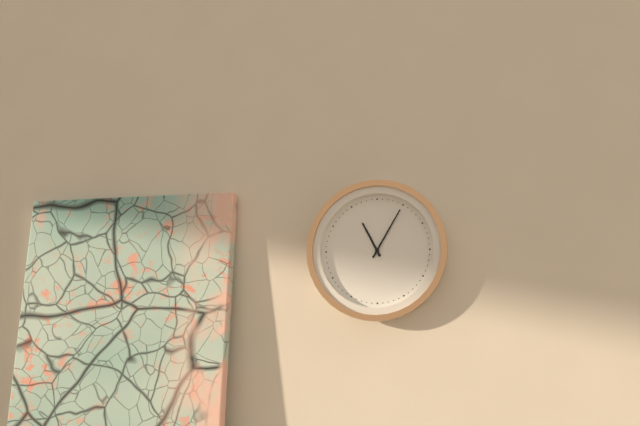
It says 11 h 05 min
